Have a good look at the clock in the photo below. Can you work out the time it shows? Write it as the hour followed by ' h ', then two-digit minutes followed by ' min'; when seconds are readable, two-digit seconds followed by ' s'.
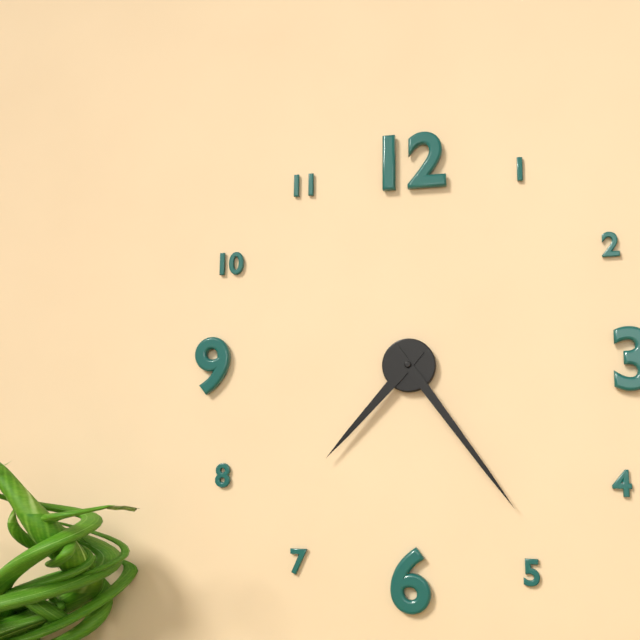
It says 7 h 24 min
